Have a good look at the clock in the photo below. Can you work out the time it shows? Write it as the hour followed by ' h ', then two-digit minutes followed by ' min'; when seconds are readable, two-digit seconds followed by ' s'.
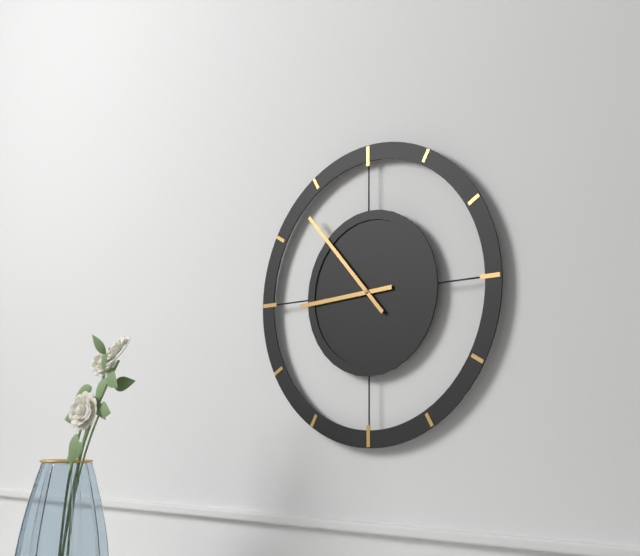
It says 8 h 53 min
